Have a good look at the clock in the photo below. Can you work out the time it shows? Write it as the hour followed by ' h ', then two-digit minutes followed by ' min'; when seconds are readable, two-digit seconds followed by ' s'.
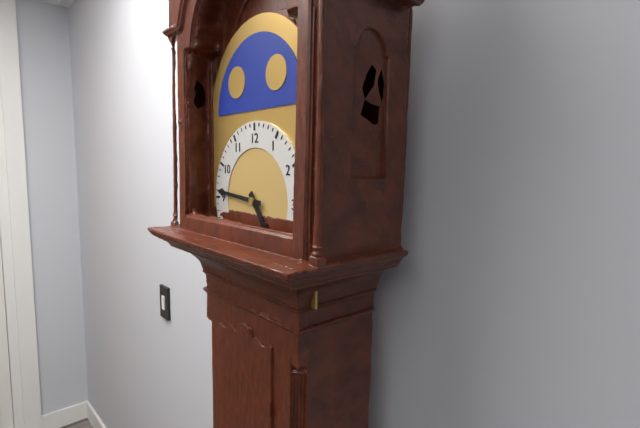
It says 4 h 46 min
